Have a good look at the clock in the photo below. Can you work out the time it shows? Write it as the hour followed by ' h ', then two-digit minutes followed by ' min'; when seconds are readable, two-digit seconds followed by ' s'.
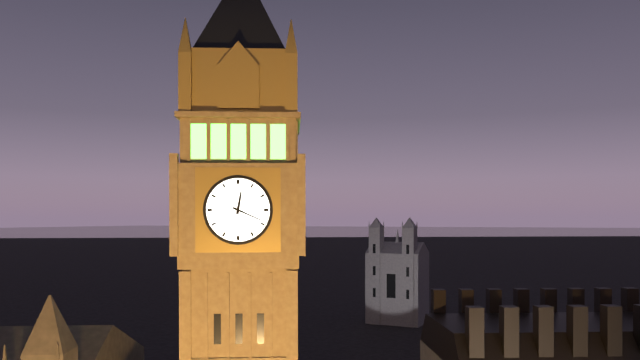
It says 12 h 19 min
